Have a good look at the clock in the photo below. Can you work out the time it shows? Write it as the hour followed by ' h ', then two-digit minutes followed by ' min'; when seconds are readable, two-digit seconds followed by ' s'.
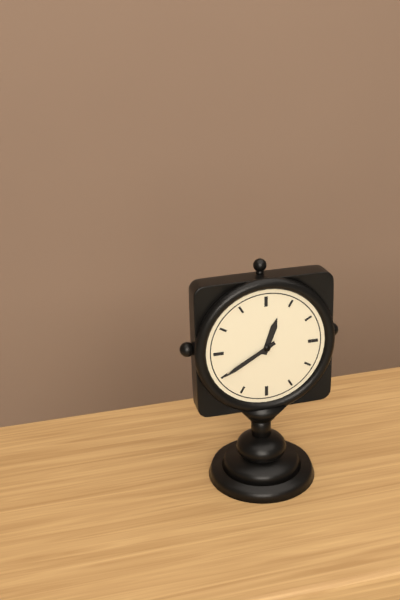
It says 12 h 40 min
